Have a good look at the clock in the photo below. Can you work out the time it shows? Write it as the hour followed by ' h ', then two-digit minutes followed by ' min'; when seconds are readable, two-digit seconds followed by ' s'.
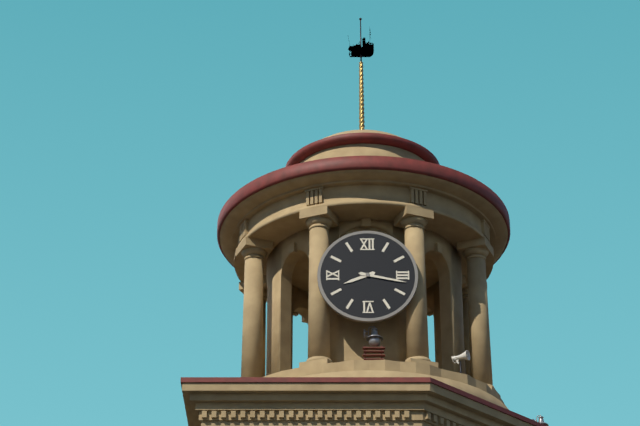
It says 8 h 17 min
